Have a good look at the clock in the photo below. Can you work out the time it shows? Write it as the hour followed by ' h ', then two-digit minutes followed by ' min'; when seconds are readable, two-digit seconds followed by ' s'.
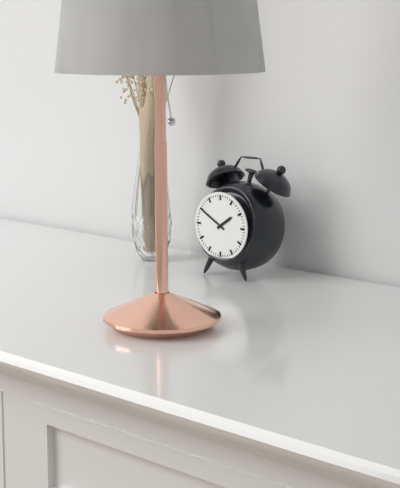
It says 1 h 50 min
